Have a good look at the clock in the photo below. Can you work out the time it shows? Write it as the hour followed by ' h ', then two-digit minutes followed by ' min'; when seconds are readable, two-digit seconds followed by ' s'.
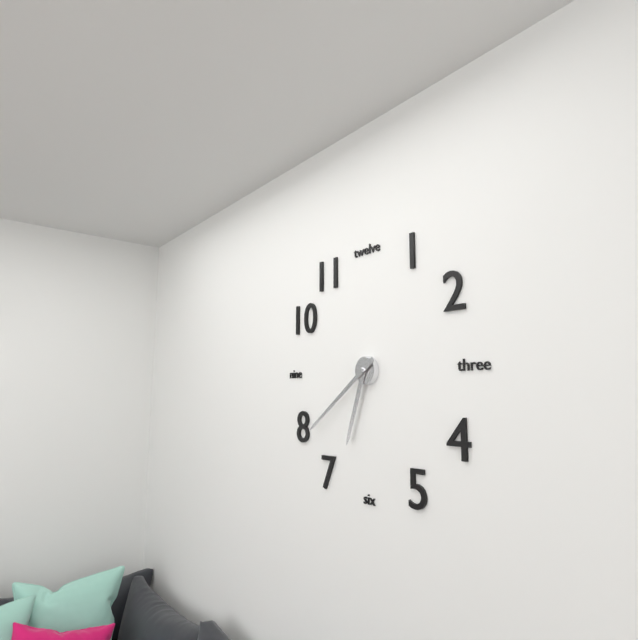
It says 6 h 39 min
